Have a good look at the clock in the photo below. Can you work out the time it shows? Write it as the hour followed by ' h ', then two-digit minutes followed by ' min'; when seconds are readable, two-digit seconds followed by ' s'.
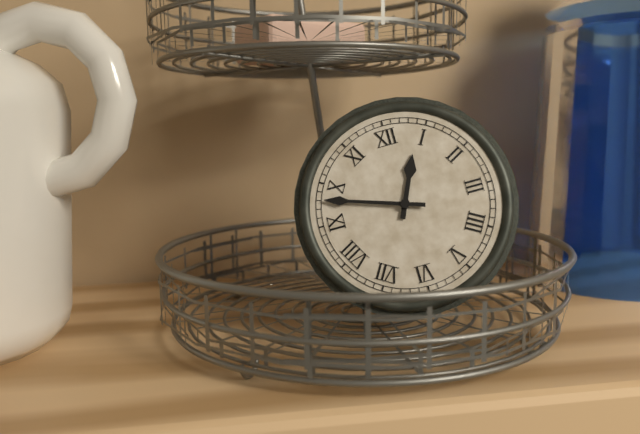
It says 12 h 48 min
